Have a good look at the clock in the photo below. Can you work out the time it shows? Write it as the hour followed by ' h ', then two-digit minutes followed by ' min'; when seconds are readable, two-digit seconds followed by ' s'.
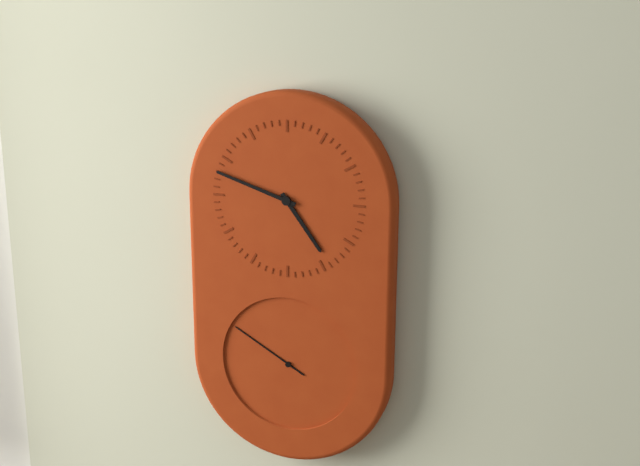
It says 4 h 48 min 50 s
